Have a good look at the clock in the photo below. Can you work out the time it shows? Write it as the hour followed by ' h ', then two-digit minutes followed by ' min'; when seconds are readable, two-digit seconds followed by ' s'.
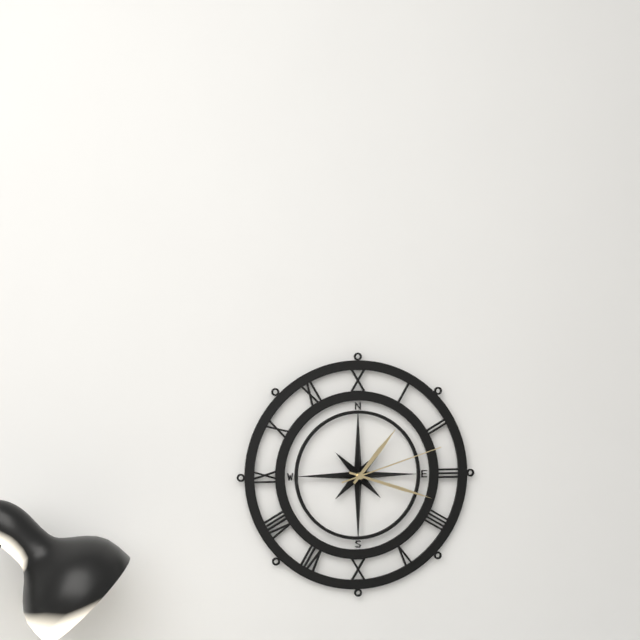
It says 1 h 18 min 12 s
